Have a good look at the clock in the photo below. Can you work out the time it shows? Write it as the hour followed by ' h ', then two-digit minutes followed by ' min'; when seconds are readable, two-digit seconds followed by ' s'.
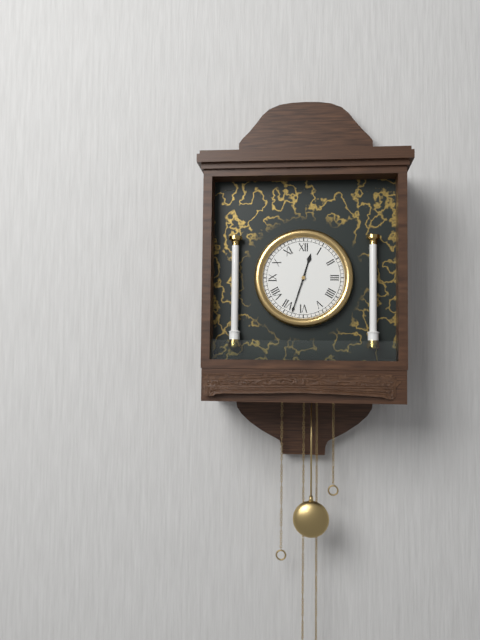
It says 12 h 33 min
